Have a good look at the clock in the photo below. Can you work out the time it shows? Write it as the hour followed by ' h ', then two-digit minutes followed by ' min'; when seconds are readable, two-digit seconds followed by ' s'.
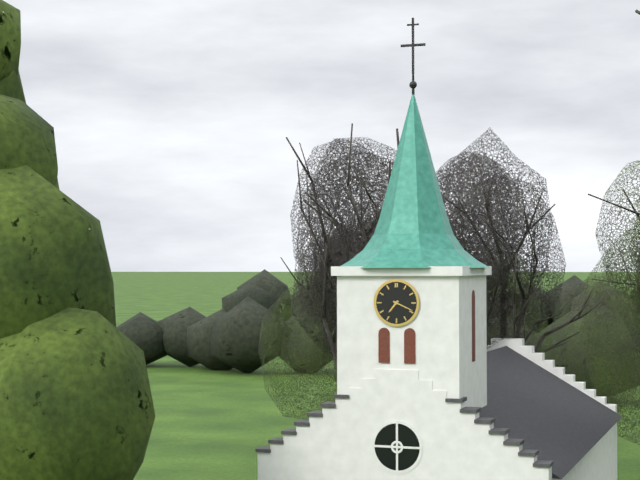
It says 7 h 19 min
